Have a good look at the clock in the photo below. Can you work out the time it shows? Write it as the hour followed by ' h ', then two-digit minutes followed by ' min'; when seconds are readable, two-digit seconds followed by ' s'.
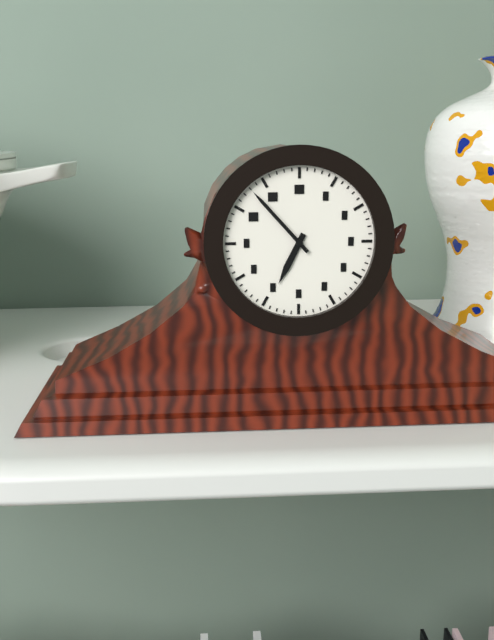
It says 6 h 53 min
